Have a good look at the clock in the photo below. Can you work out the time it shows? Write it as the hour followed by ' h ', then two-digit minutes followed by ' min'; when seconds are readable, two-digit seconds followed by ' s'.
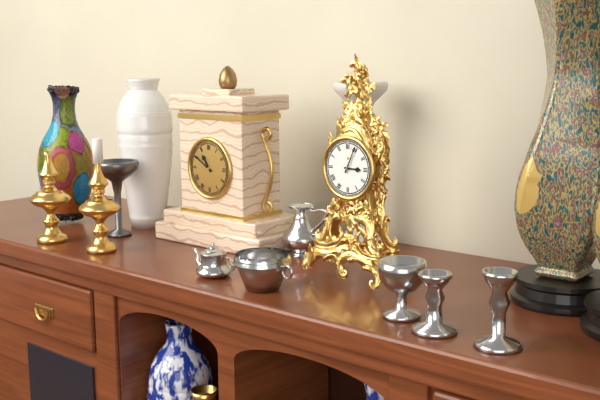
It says 3 h 04 min
